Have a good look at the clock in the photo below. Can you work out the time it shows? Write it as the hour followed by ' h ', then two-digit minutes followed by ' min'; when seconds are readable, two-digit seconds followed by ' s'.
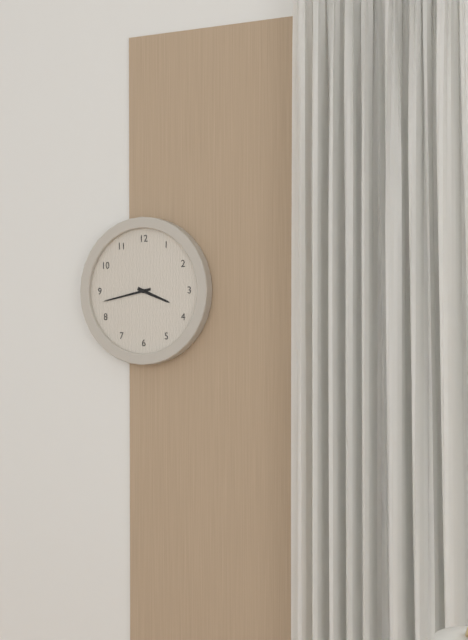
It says 3 h 43 min
